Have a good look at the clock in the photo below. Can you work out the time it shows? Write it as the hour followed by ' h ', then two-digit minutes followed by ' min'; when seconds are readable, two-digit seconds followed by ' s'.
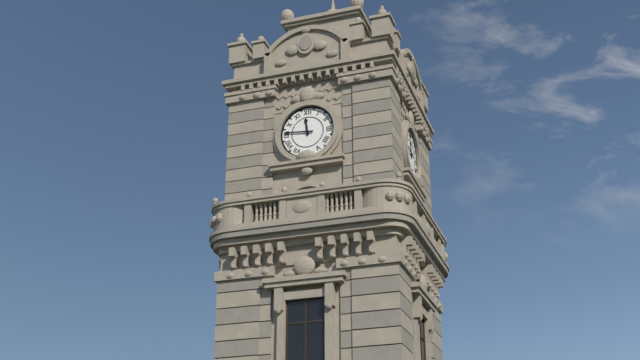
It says 11 h 46 min
